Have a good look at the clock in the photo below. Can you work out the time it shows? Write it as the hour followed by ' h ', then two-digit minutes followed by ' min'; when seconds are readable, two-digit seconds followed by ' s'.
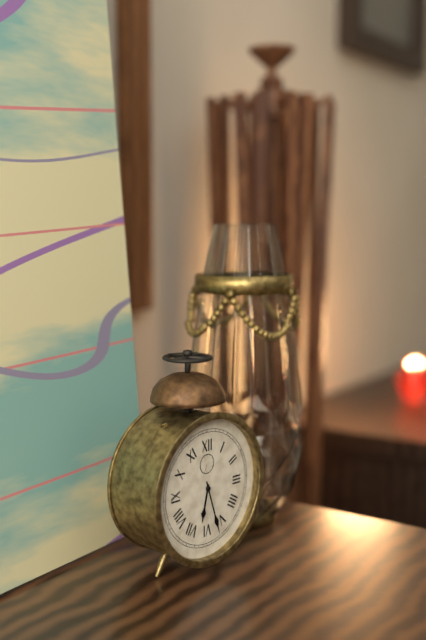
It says 6 h 27 min
